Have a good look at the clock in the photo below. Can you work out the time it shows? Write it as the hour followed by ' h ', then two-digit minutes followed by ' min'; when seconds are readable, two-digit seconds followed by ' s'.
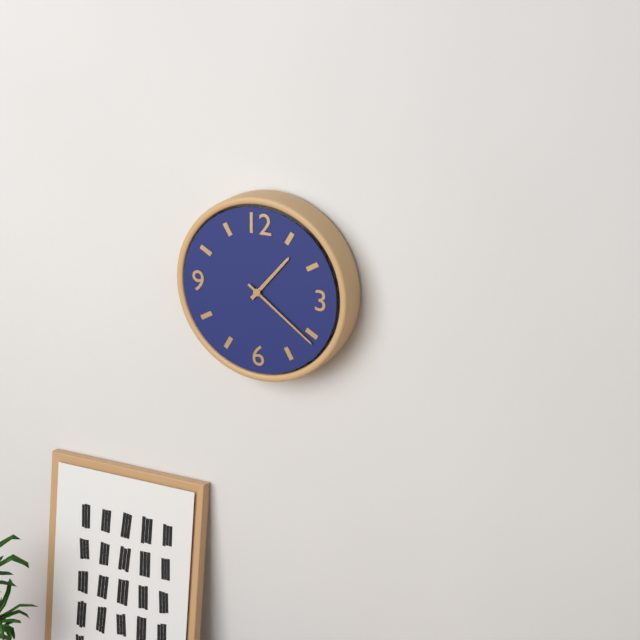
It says 1 h 21 min
